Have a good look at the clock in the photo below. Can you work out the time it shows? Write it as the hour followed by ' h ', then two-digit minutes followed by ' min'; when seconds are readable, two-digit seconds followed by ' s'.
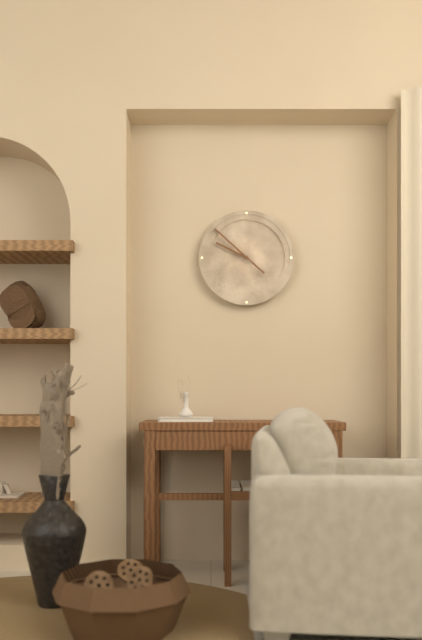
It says 9 h 52 min
